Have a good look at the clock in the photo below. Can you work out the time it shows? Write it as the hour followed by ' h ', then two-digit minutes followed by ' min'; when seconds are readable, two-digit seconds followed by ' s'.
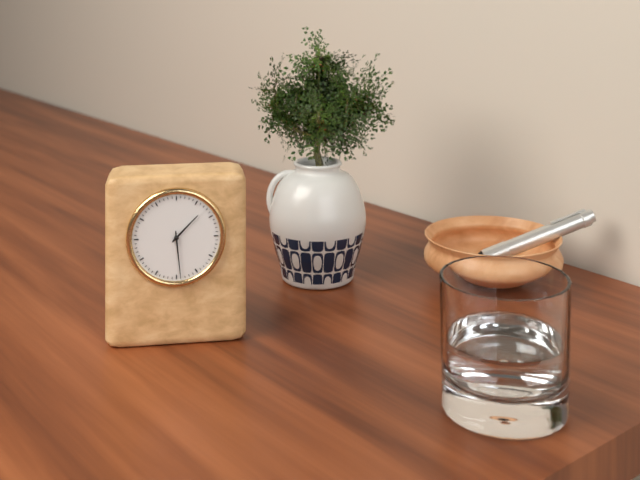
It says 1 h 29 min
